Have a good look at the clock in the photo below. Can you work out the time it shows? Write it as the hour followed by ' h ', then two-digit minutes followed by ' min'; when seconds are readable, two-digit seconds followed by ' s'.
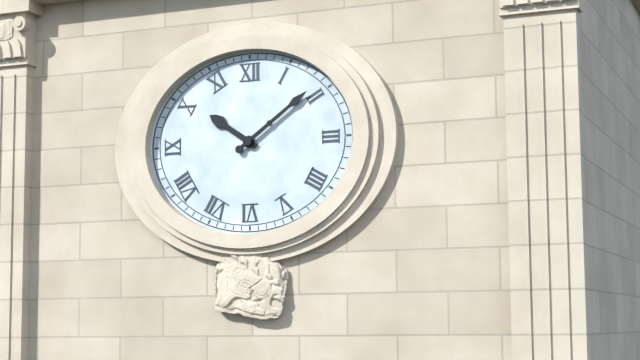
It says 10 h 09 min
